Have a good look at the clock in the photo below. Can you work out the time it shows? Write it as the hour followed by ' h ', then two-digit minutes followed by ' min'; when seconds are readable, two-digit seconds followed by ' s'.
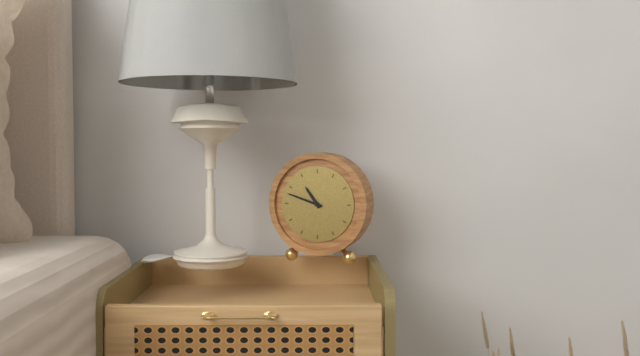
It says 10 h 48 min
